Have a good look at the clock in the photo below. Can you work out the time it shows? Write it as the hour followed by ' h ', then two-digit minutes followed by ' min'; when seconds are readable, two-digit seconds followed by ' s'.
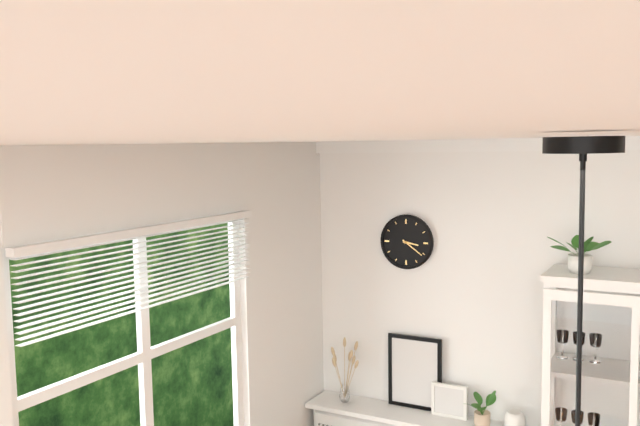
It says 3 h 21 min
